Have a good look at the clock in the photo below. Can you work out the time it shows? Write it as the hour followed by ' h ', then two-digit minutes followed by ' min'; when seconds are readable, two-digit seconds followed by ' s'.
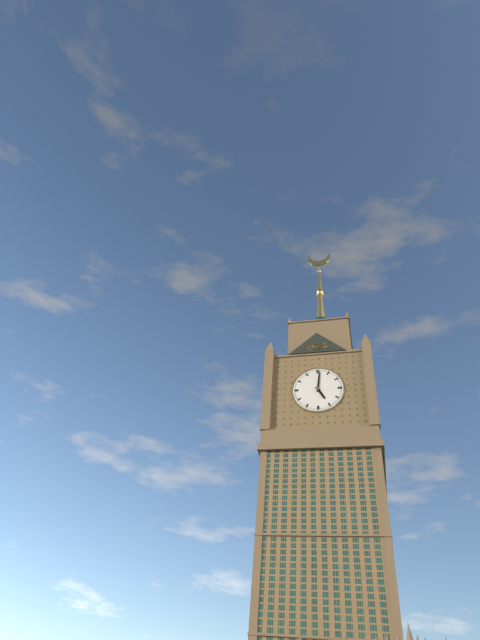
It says 5 h 01 min
